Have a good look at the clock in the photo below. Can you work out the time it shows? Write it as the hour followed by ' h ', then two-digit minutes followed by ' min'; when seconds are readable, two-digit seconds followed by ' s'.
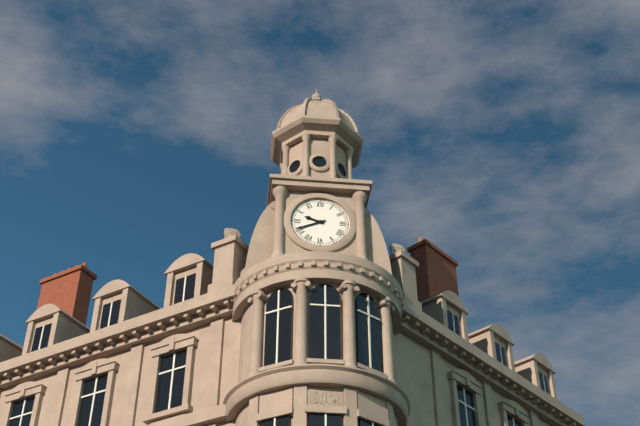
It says 9 h 41 min
